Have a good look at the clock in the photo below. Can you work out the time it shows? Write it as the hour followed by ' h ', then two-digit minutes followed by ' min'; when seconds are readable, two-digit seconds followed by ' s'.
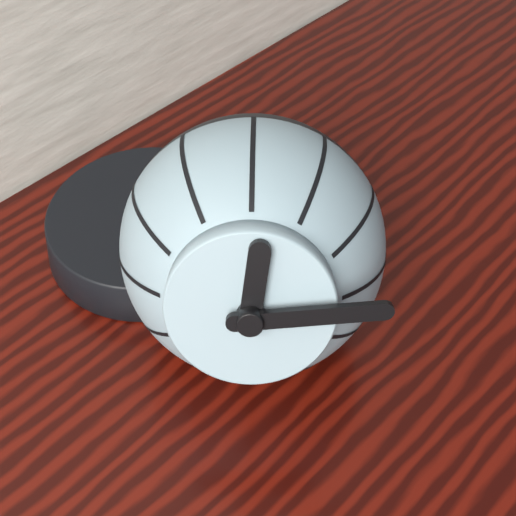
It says 12 h 14 min
